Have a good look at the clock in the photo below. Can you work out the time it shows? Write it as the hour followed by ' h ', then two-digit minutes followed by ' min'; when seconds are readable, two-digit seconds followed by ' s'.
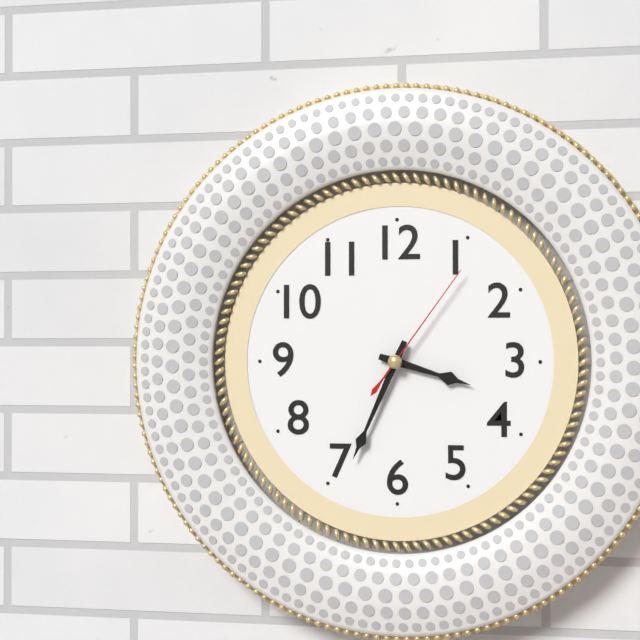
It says 3 h 34 min 06 s
